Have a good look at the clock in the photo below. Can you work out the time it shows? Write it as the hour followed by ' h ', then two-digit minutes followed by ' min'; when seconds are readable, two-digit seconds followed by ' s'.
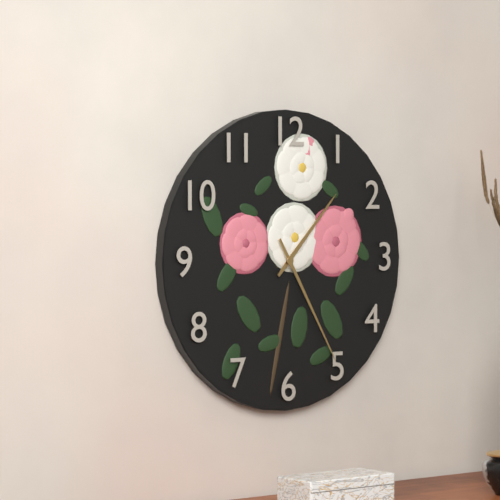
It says 1 h 25 min
